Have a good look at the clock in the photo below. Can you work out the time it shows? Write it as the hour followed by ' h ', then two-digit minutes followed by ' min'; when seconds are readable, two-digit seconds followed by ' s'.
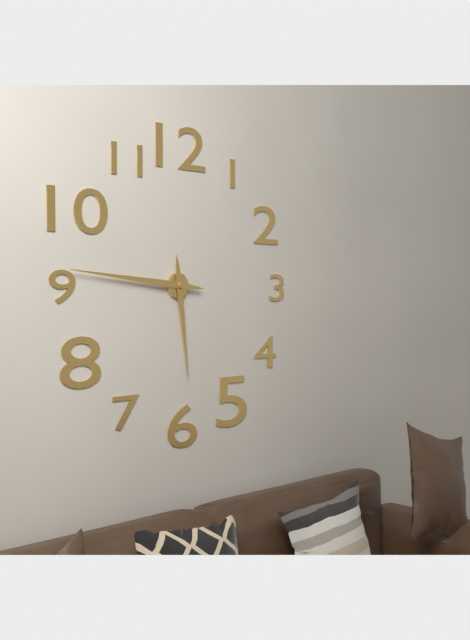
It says 5 h 46 min
